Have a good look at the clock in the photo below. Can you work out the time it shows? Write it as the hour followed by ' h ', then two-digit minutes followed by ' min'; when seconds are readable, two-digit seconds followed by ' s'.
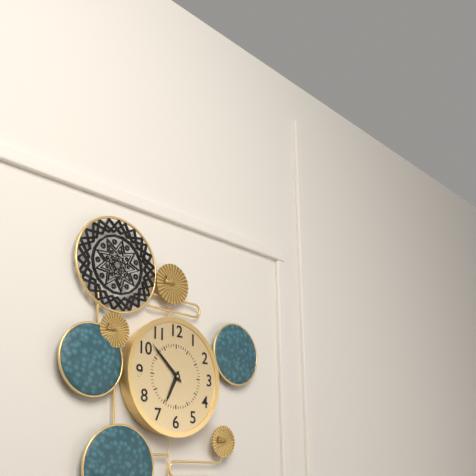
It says 6 h 52 min
